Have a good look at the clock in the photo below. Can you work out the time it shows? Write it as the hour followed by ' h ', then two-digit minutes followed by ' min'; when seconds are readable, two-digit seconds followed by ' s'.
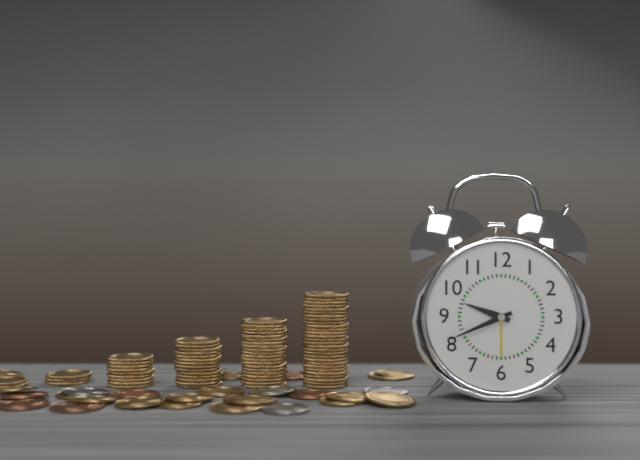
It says 9 h 41 min
